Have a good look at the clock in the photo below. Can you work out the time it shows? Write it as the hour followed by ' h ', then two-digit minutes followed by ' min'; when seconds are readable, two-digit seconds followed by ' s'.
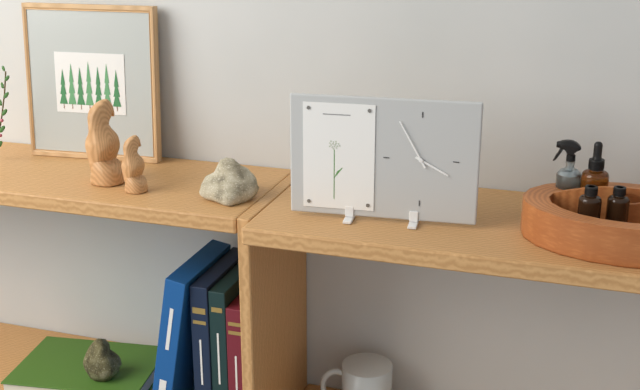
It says 3 h 55 min
